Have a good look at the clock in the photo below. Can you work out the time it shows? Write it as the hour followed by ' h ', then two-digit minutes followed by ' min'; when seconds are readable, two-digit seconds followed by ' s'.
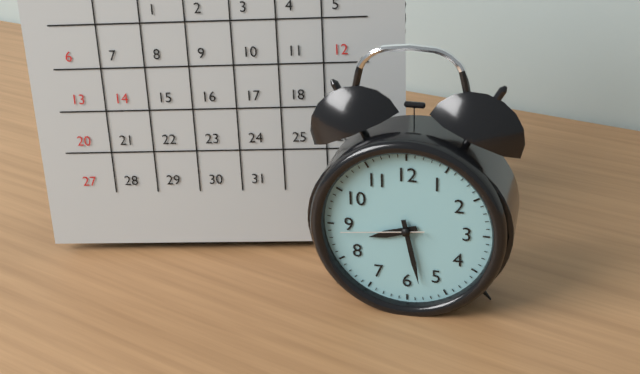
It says 8 h 28 min 44 s
